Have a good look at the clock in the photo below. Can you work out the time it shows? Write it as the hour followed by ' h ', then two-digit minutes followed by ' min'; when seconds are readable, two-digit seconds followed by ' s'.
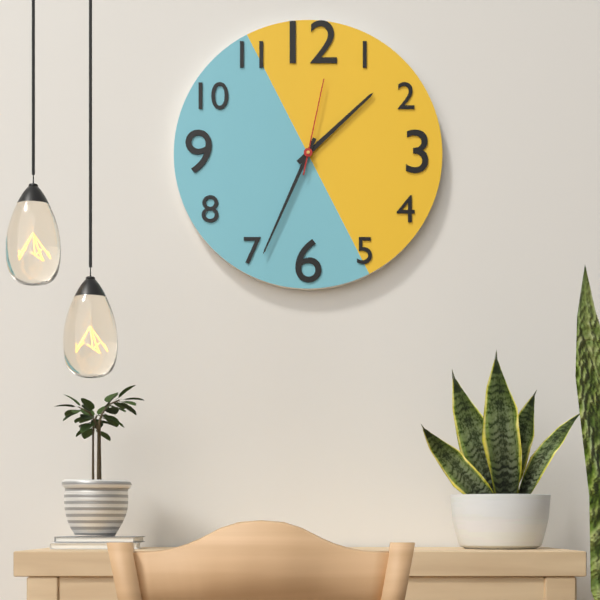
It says 1 h 34 min 02 s
